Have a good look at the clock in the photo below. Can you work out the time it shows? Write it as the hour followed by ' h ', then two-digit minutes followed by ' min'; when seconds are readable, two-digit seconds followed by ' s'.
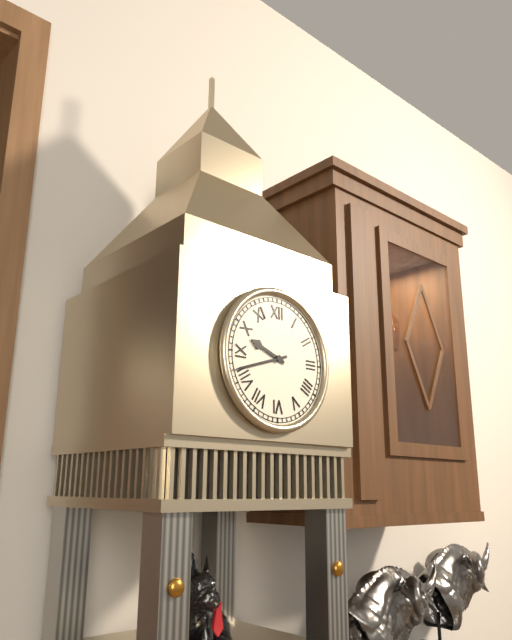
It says 9 h 42 min
